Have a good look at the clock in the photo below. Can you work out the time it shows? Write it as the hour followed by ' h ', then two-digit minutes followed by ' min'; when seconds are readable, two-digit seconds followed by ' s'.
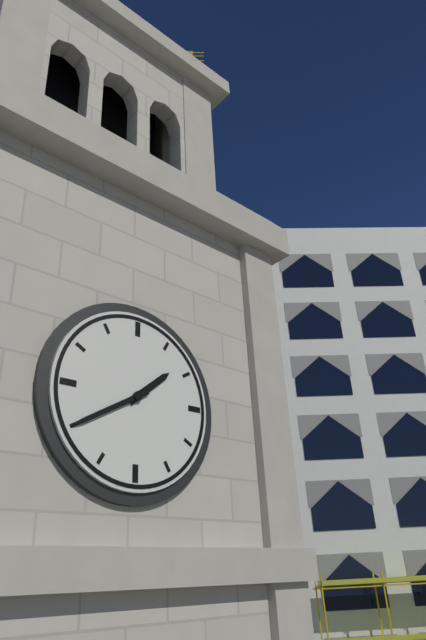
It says 1 h 40 min
